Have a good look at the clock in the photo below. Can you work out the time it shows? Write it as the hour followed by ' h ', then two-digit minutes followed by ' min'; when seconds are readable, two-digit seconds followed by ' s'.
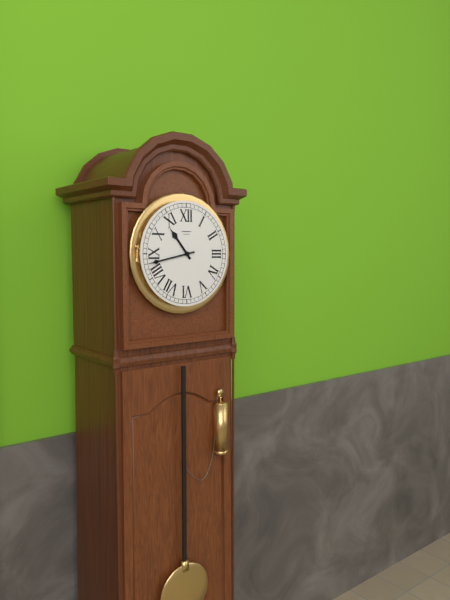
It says 10 h 43 min
